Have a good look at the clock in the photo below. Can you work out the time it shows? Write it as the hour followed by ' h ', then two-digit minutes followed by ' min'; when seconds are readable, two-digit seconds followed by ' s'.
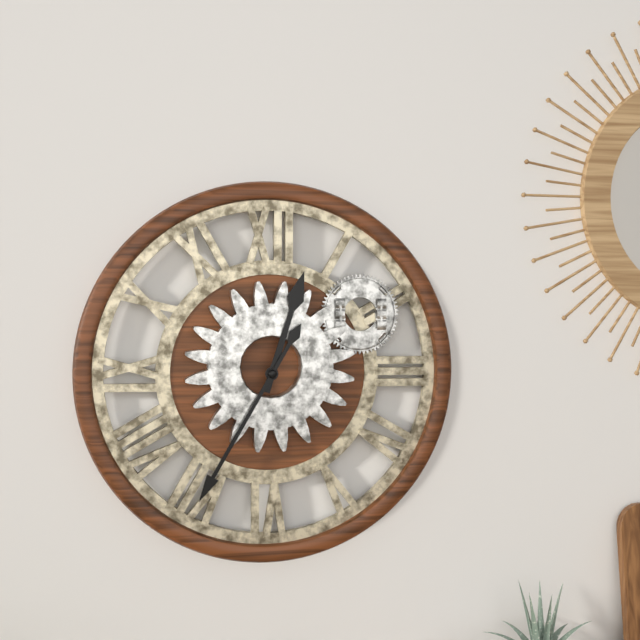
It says 12 h 35 min
